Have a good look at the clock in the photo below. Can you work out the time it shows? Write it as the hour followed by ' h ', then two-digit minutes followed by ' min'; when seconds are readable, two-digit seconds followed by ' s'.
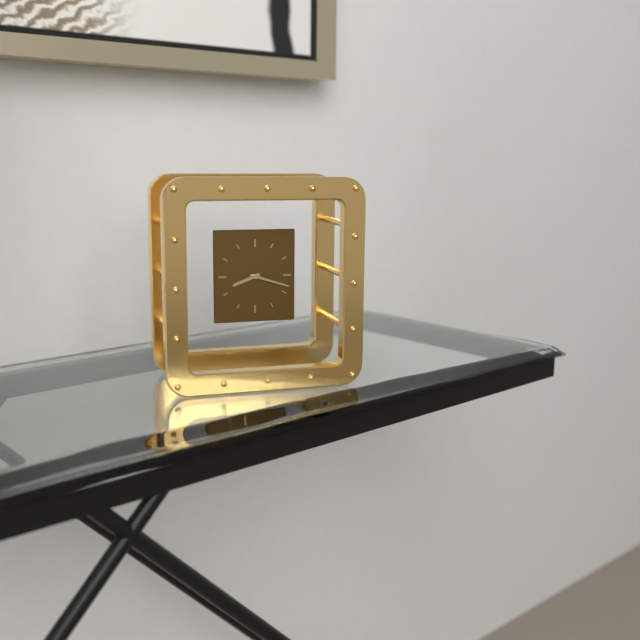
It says 8 h 18 min
